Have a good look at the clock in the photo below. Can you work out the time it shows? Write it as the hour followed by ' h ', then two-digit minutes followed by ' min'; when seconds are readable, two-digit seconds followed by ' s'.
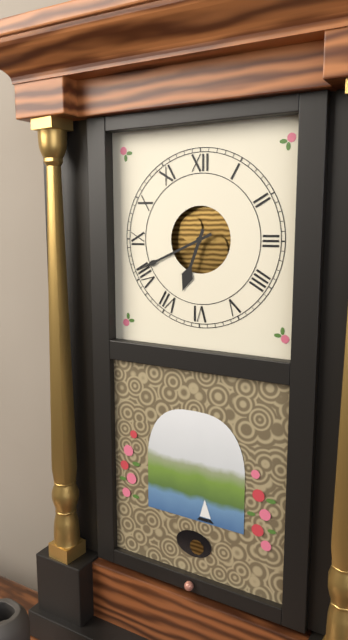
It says 6 h 41 min
